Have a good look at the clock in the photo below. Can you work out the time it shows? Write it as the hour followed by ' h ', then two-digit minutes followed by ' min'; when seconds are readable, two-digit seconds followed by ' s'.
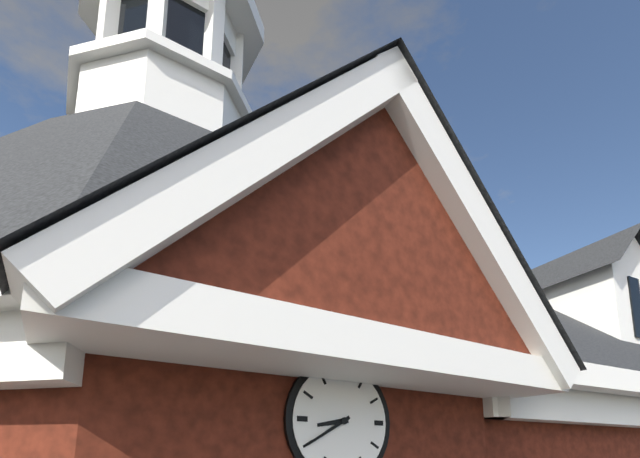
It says 8 h 40 min
